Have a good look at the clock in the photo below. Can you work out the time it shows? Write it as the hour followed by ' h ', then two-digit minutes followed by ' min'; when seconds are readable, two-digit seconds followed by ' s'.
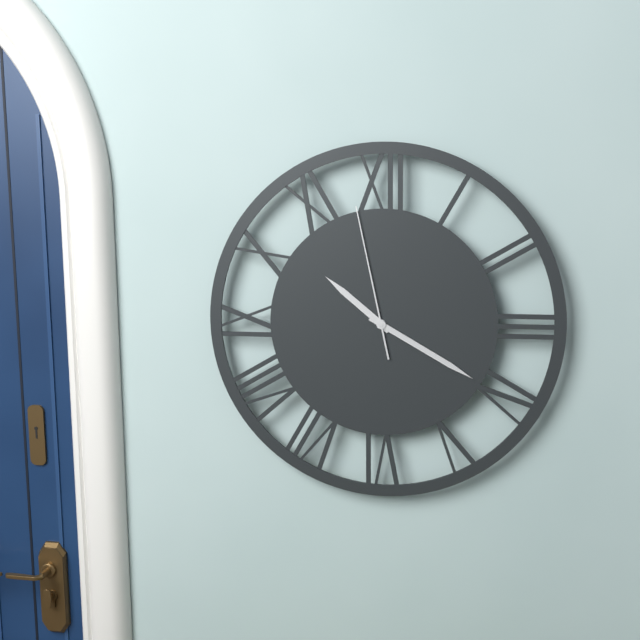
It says 10 h 20 min 58 s
